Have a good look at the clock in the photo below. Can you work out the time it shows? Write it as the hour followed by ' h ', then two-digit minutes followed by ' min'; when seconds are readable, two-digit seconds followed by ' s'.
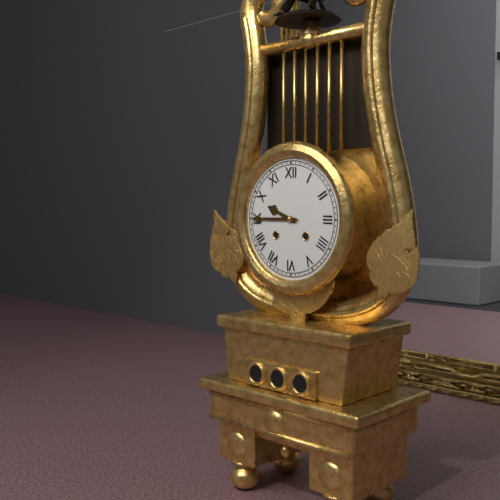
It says 9 h 45 min
